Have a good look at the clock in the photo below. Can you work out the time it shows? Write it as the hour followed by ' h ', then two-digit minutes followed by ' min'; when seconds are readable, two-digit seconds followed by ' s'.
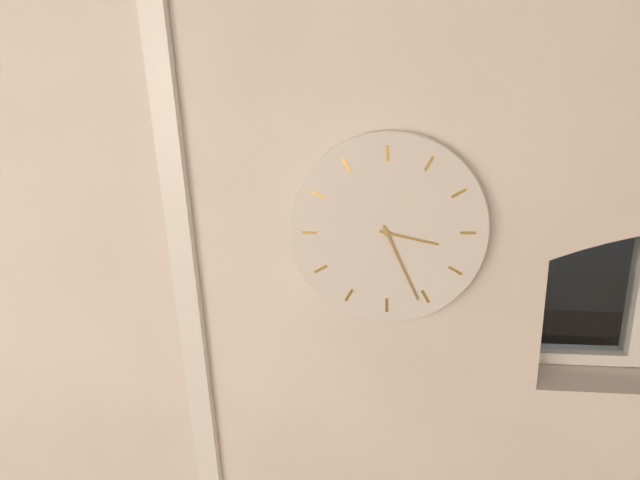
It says 3 h 26 min
